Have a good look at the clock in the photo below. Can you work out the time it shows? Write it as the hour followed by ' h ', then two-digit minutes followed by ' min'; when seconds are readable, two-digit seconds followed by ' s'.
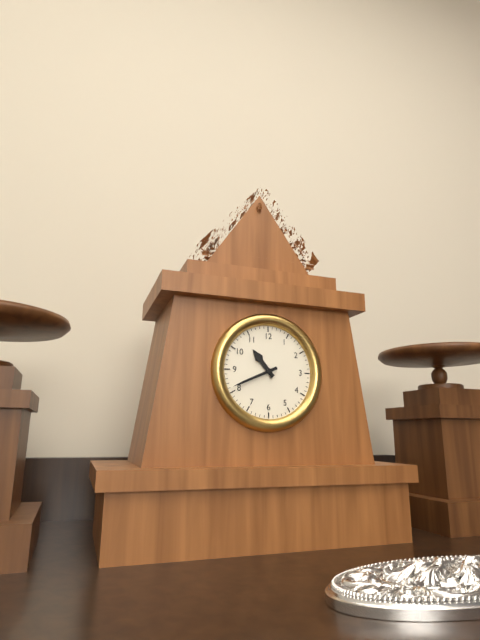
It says 10 h 41 min
